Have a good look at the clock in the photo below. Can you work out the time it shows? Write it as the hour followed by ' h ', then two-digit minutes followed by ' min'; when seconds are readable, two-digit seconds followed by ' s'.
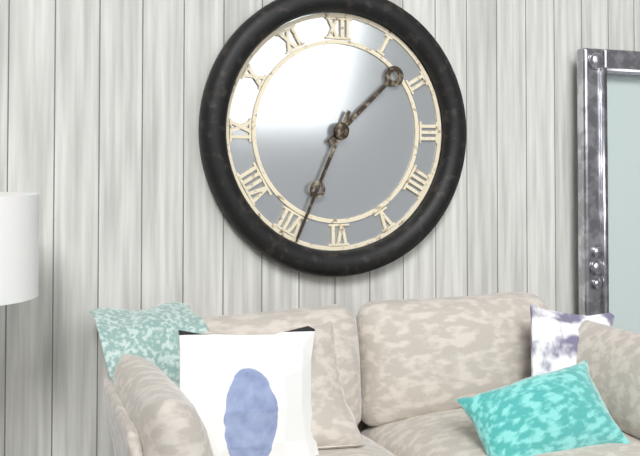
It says 1 h 34 min
